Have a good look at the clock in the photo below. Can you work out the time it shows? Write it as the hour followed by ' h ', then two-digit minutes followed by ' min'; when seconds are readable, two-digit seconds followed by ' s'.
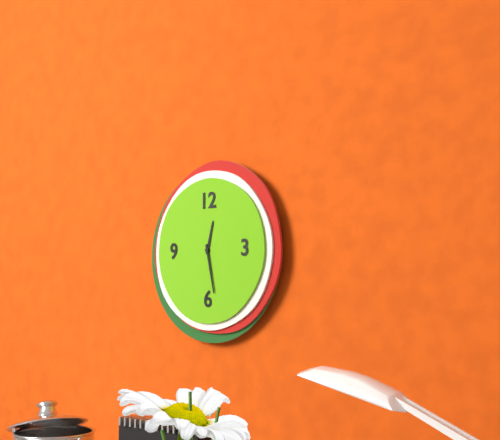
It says 12 h 28 min
